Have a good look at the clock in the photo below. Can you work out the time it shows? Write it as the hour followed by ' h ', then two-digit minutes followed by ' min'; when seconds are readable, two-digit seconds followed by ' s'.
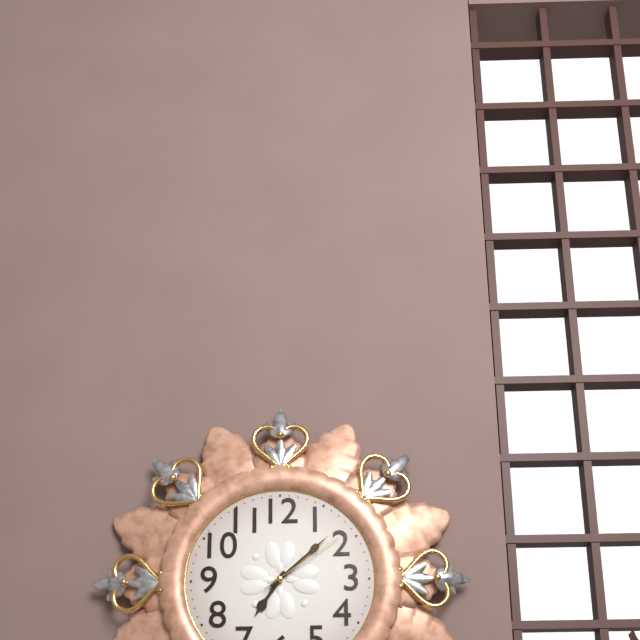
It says 7 h 08 min 09 s
